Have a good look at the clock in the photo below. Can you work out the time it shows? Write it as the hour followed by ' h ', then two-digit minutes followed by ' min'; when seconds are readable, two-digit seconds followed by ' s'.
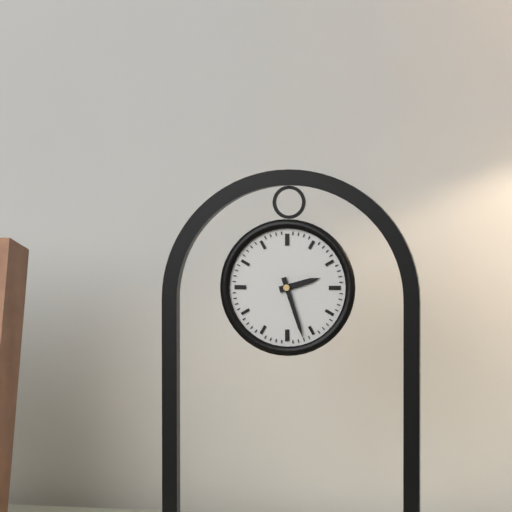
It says 2 h 27 min
